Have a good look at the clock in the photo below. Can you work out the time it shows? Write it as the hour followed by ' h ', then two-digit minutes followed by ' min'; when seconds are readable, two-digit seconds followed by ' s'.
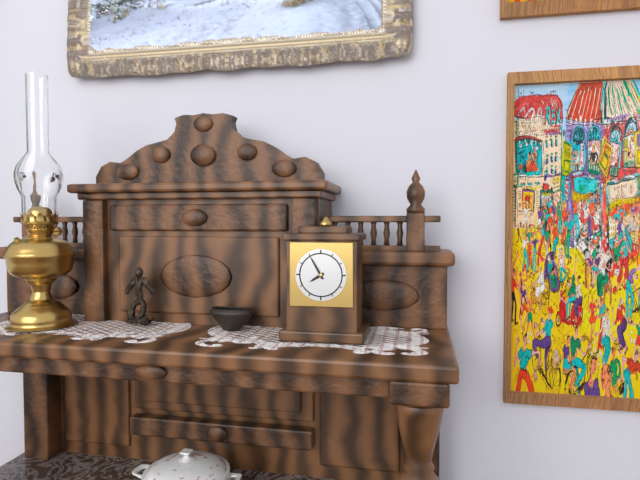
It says 7 h 55 min
